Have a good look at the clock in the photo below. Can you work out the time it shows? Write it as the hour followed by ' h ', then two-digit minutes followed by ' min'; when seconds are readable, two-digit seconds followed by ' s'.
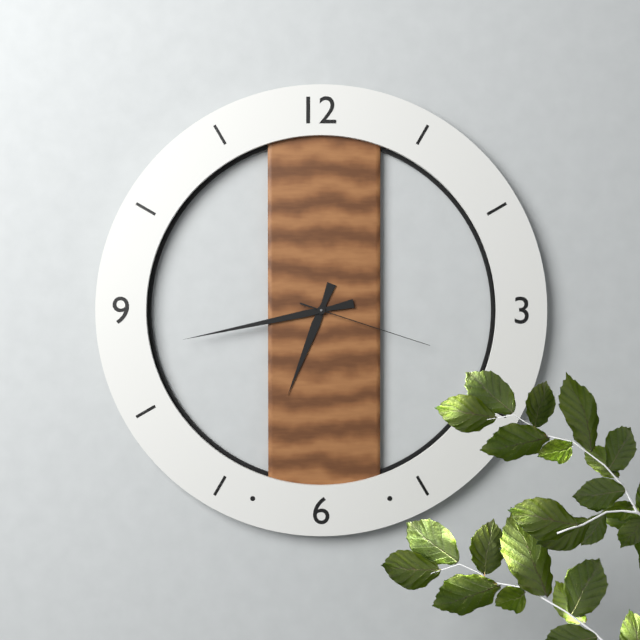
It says 6 h 43 min 18 s
